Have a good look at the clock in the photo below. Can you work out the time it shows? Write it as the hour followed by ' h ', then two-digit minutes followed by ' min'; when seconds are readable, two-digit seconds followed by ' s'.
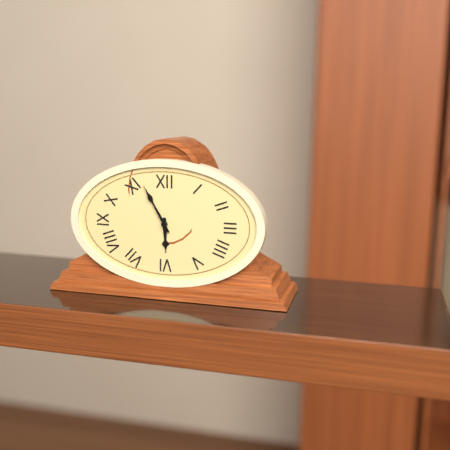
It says 5 h 55 min
